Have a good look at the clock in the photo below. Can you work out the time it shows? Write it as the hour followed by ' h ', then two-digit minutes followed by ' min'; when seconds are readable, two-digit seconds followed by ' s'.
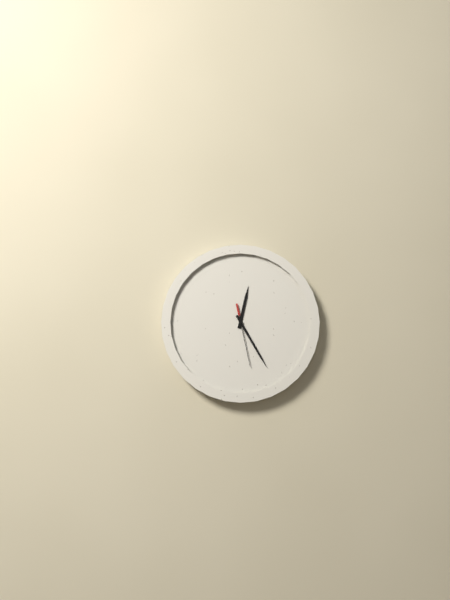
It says 12 h 25 min 28 s
